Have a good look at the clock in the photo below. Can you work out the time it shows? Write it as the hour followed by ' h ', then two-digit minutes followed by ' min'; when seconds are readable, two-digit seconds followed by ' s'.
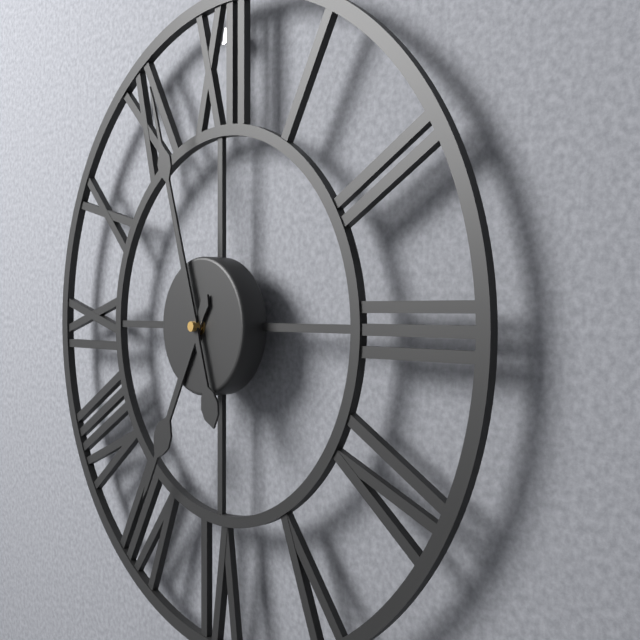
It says 6 h 57 min
